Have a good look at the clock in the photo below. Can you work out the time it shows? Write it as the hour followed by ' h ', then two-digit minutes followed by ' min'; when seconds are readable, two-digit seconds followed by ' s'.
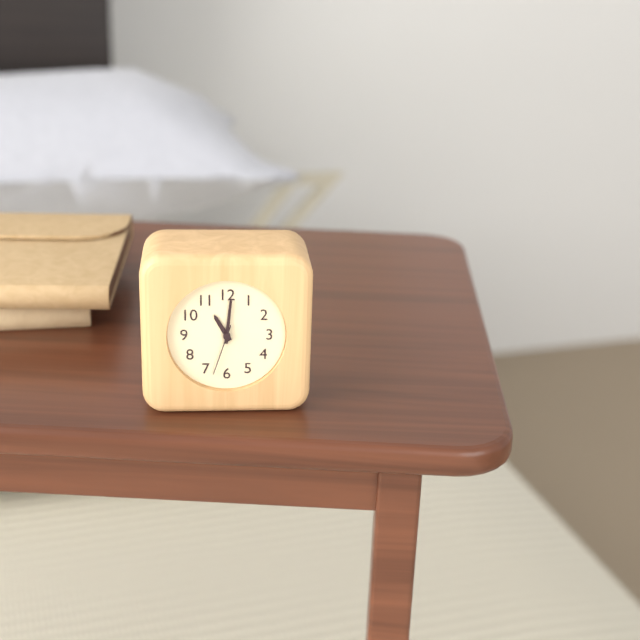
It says 11 h 01 min 33 s
